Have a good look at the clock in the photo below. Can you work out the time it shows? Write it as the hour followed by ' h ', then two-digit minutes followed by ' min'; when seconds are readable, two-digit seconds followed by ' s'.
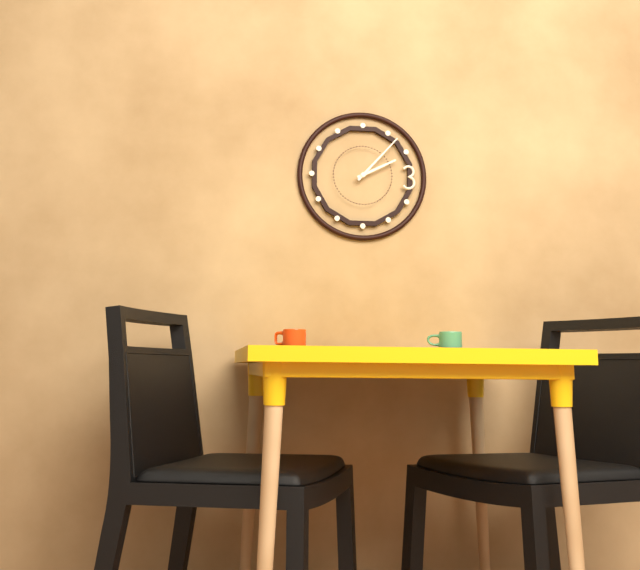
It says 2 h 07 min
